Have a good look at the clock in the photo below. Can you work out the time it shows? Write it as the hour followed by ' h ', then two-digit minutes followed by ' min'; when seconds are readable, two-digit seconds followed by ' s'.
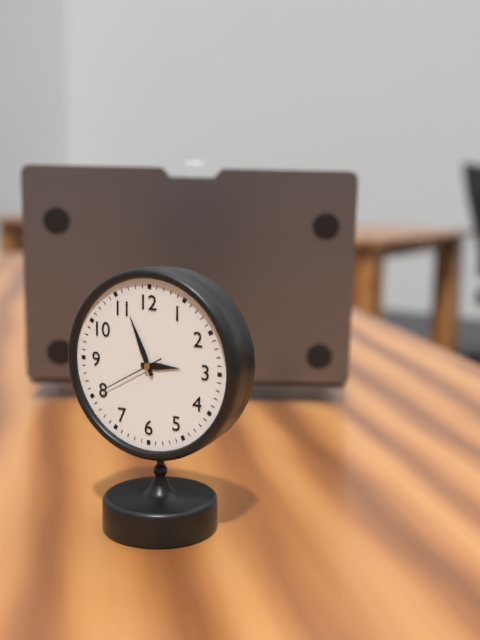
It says 2 h 56 min 40 s
